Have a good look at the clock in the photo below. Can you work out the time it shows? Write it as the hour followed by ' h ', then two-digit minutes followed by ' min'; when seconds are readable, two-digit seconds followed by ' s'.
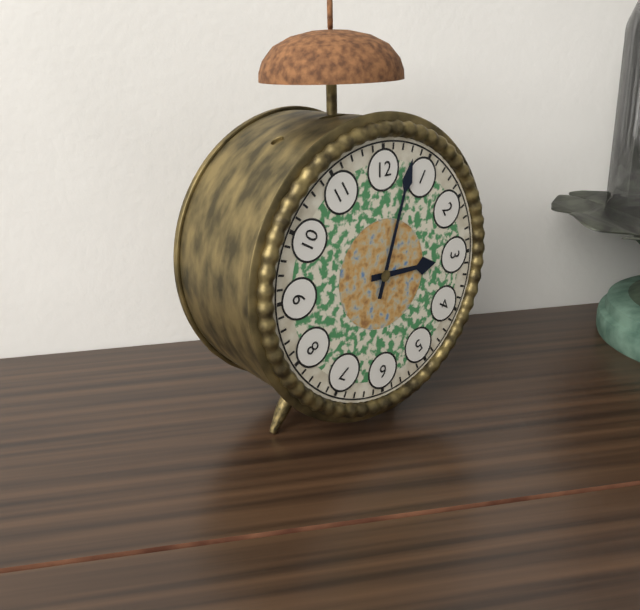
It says 3 h 03 min
